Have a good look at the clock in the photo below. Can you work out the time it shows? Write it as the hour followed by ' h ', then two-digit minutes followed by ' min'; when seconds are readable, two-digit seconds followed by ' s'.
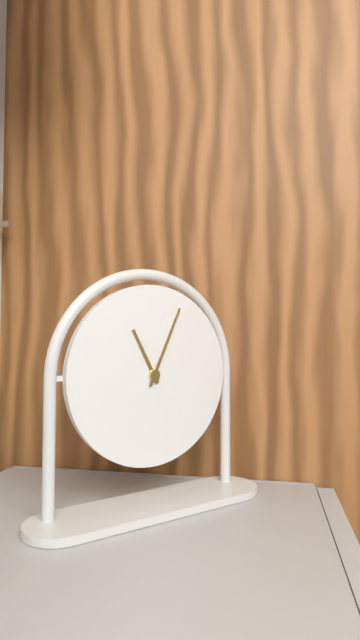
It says 11 h 04 min
